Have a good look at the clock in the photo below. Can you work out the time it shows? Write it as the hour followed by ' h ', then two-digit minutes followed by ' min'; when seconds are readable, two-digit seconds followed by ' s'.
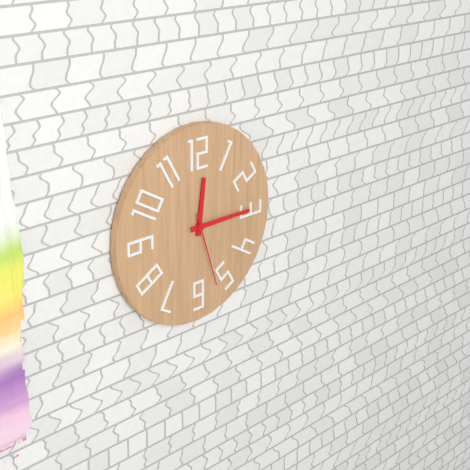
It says 12 h 15 min 27 s
